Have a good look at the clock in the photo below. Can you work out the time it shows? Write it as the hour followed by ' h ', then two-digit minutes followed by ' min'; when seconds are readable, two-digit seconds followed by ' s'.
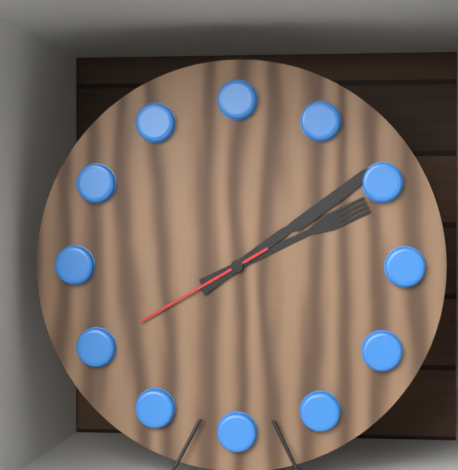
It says 2 h 09 min 40 s
